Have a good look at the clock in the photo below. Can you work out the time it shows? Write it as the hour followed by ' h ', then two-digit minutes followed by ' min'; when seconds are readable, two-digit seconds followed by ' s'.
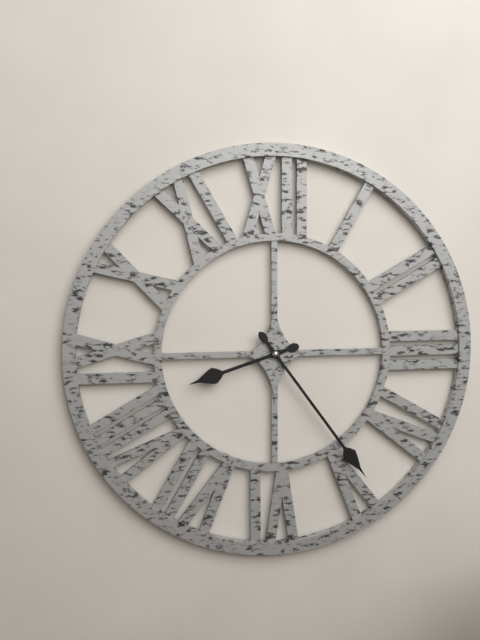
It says 8 h 24 min
